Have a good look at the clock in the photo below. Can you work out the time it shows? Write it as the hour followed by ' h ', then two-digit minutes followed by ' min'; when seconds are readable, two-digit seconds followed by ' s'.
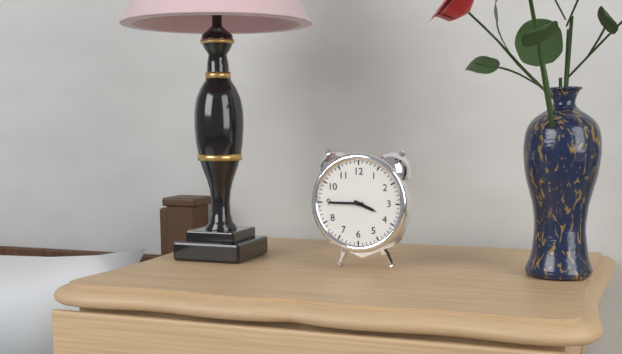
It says 3 h 45 min
